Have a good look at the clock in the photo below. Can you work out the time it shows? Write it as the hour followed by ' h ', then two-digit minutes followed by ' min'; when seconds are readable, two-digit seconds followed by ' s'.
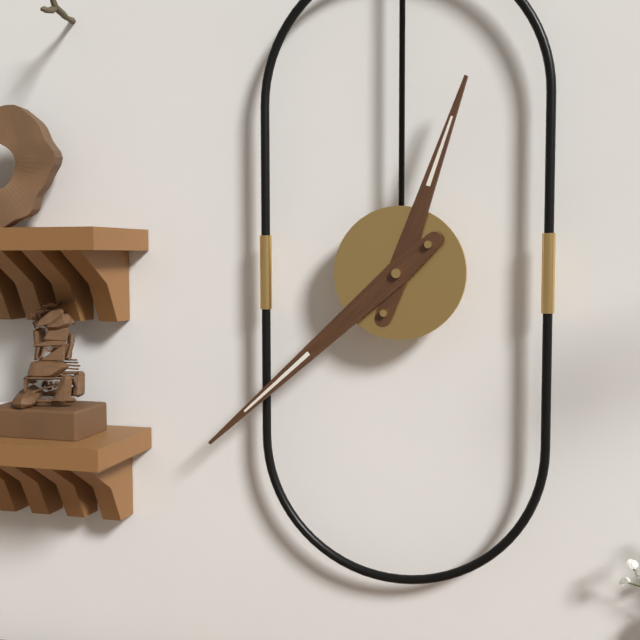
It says 12 h 38 min
